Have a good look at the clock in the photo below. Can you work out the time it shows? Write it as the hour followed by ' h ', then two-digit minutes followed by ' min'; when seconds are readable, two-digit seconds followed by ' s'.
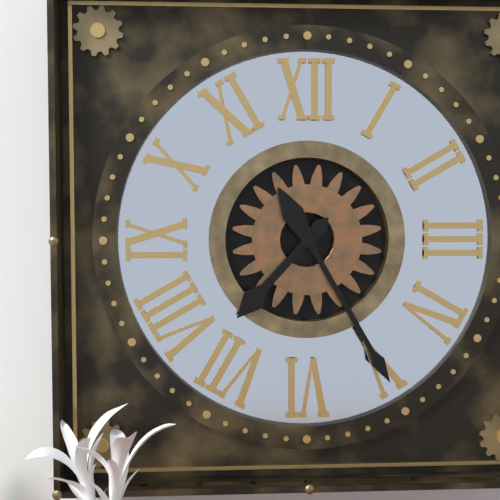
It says 7 h 25 min
